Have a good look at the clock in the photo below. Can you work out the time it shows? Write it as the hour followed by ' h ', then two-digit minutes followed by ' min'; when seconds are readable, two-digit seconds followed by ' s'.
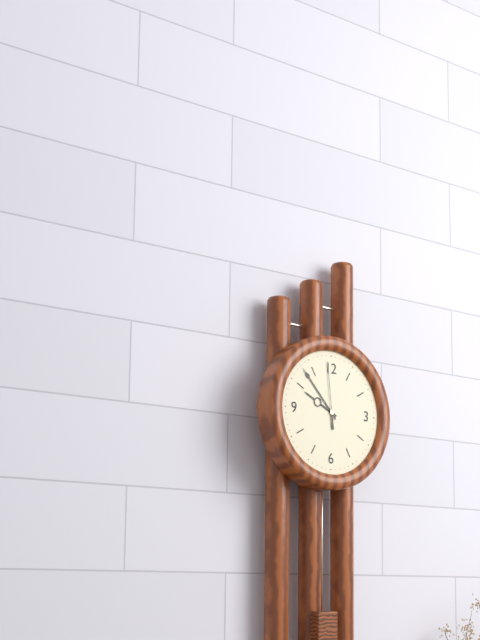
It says 9 h 53 min 59 s
